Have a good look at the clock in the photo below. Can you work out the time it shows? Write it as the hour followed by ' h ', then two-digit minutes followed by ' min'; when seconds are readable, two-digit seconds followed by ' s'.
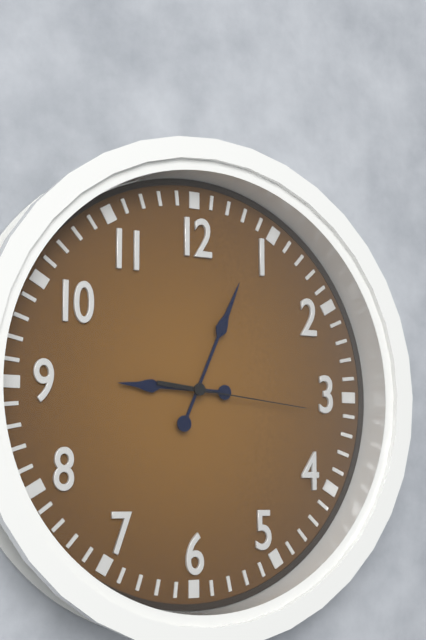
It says 9 h 04 min 16 s
